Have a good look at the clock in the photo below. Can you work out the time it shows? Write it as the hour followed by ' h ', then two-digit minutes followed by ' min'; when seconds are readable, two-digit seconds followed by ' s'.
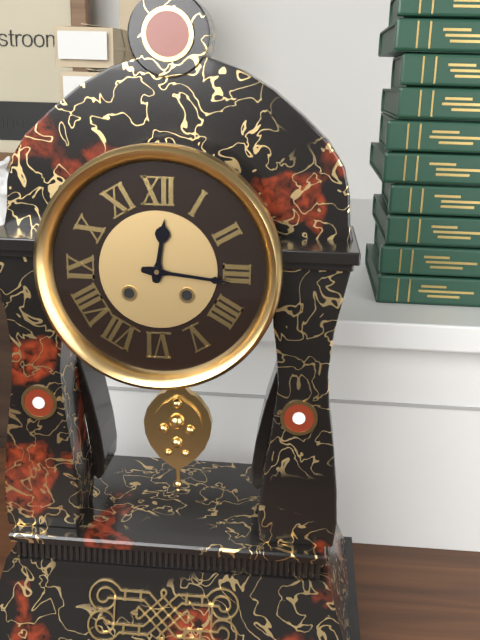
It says 12 h 16 min
